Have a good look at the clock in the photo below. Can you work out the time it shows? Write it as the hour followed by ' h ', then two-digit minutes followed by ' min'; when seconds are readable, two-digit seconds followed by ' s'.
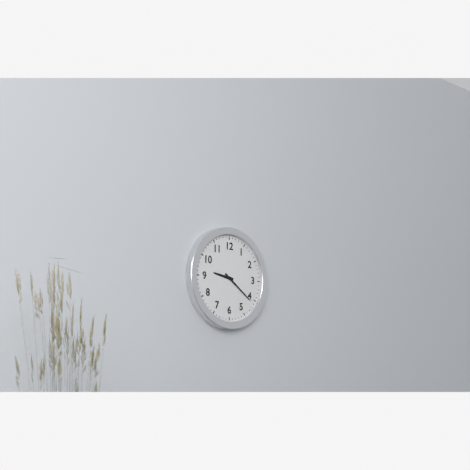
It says 9 h 21 min
